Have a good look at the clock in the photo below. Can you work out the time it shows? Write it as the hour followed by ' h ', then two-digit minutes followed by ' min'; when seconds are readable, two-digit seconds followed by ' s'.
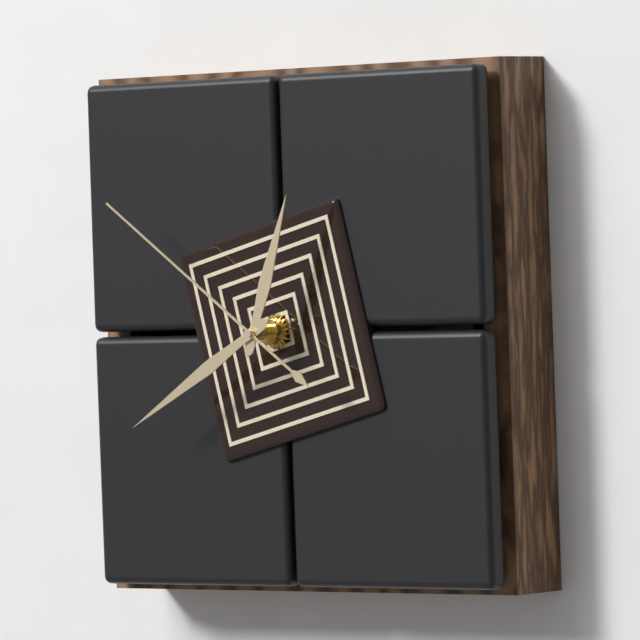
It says 12 h 40 min 51 s
